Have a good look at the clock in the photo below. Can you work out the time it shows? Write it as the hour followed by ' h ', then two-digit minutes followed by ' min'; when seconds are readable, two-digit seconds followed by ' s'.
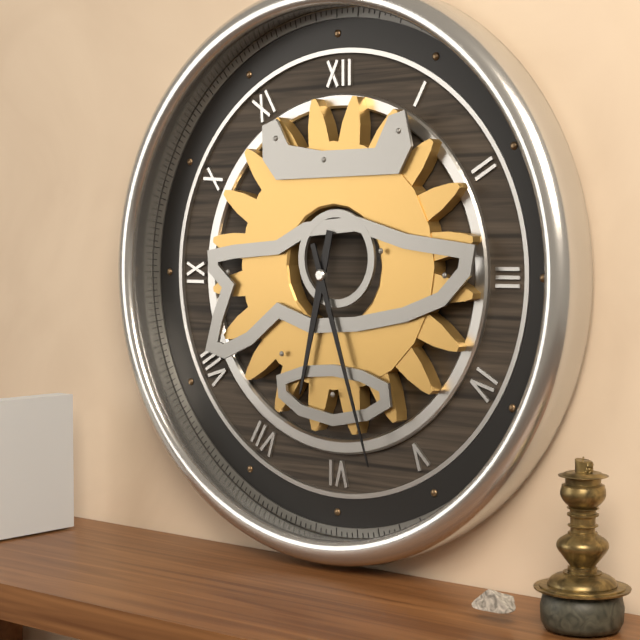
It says 6 h 27 min
